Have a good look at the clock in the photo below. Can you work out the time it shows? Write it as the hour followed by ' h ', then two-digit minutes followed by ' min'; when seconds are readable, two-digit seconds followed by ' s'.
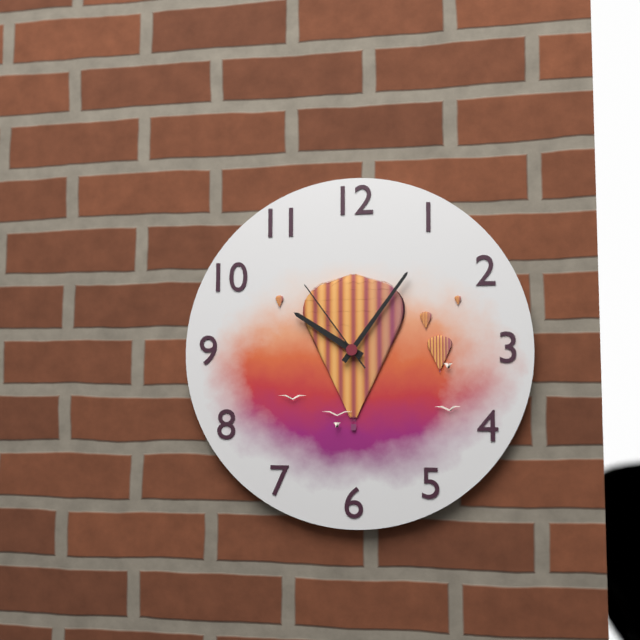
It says 10 h 06 min 54 s
